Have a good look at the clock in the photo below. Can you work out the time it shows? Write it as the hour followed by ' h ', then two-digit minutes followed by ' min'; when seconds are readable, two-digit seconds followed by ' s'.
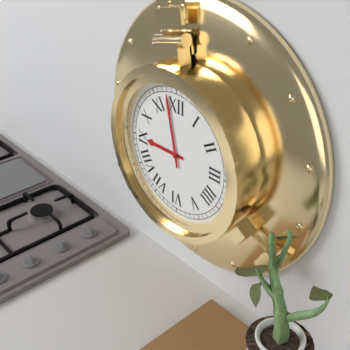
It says 8 h 58 min
